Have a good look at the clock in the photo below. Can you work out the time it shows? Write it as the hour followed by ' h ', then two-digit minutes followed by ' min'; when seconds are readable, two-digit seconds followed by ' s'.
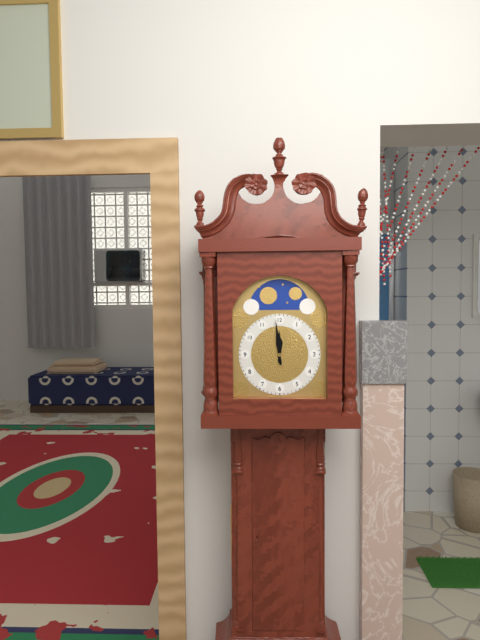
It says 11 h 59 min
